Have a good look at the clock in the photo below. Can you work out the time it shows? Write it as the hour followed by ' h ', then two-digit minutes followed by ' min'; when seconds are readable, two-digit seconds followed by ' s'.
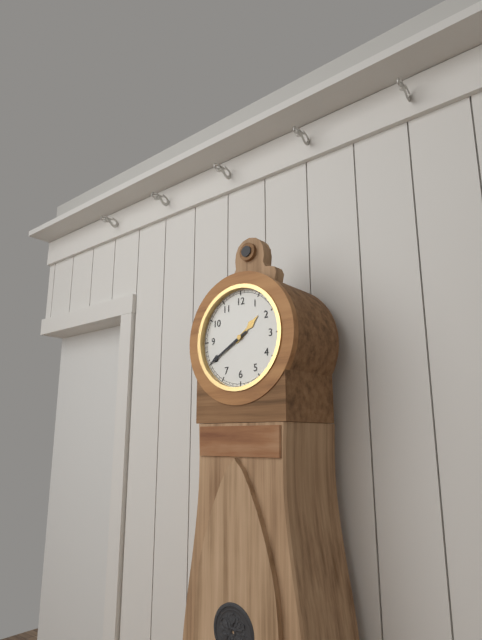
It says 1 h 40 min
